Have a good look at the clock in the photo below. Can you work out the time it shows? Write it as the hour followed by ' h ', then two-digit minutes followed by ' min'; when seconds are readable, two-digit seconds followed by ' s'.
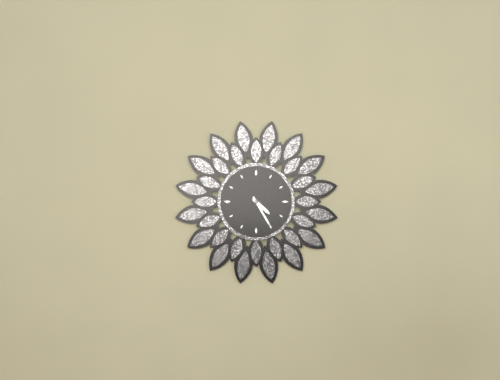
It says 4 h 25 min
